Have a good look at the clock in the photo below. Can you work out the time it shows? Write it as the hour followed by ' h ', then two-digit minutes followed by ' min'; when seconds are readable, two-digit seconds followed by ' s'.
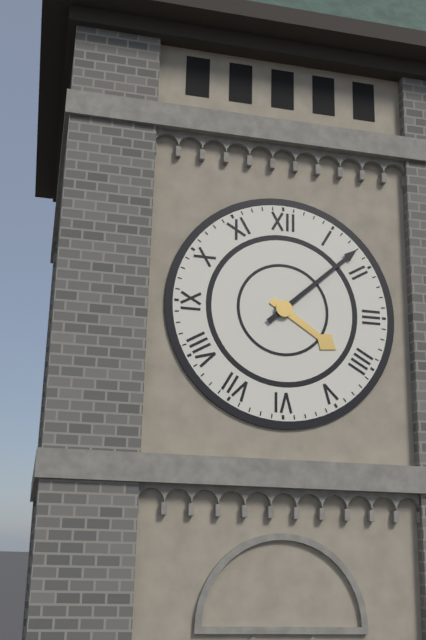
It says 4 h 08 min
